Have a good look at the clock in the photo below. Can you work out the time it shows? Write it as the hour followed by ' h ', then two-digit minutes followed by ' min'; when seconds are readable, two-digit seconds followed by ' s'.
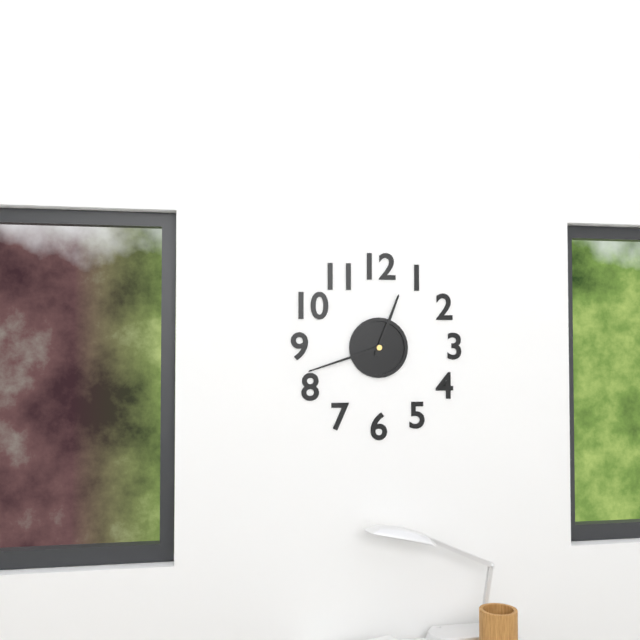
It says 12 h 42 min
